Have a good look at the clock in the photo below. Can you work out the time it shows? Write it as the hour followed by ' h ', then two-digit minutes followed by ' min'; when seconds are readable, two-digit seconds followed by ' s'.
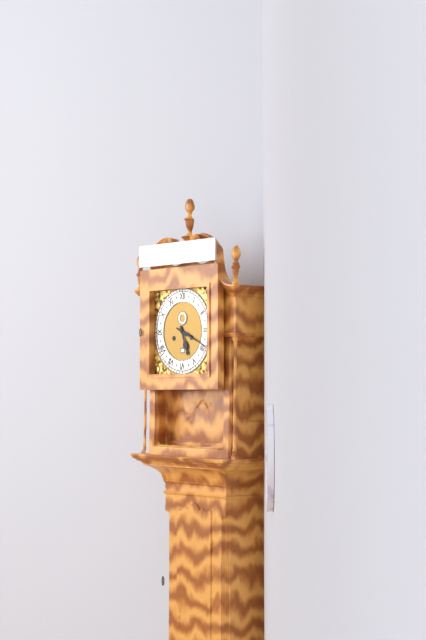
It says 5 h 19 min
